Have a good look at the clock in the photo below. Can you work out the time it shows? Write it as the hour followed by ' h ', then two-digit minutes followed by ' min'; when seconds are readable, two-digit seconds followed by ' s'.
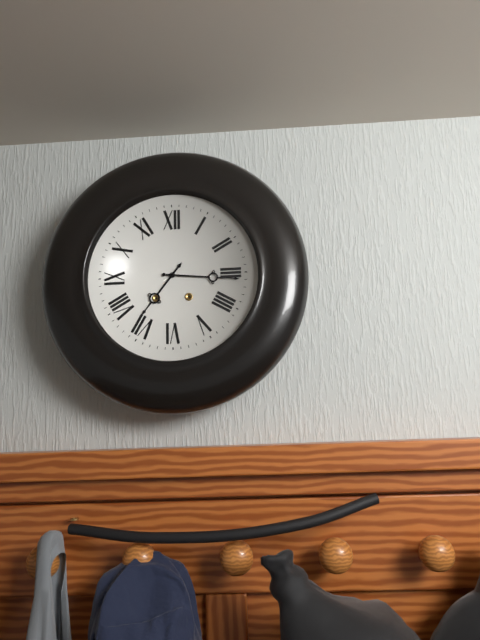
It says 7 h 16 min
